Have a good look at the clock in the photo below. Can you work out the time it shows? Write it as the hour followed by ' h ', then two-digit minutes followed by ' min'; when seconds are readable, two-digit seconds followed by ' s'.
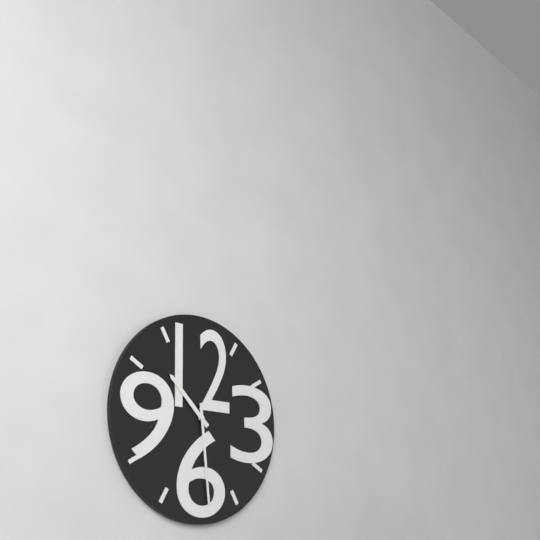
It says 10 h 29 min
